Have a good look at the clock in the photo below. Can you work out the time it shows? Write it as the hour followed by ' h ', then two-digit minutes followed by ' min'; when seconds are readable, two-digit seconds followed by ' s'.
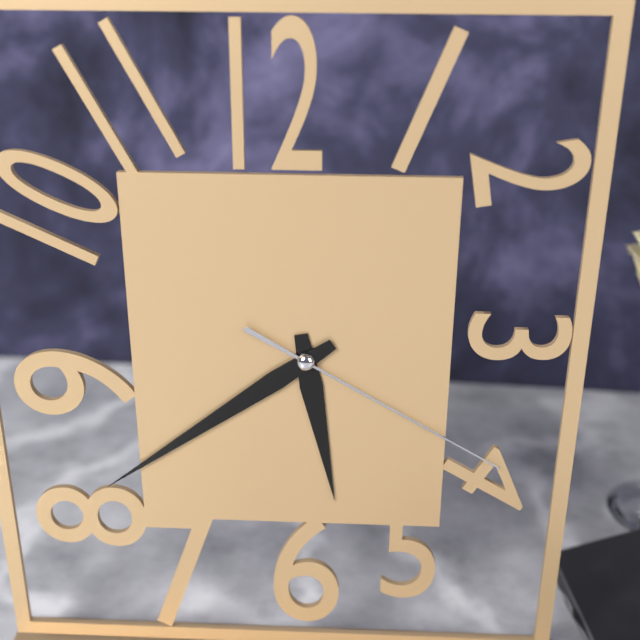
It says 5 h 39 min 20 s
